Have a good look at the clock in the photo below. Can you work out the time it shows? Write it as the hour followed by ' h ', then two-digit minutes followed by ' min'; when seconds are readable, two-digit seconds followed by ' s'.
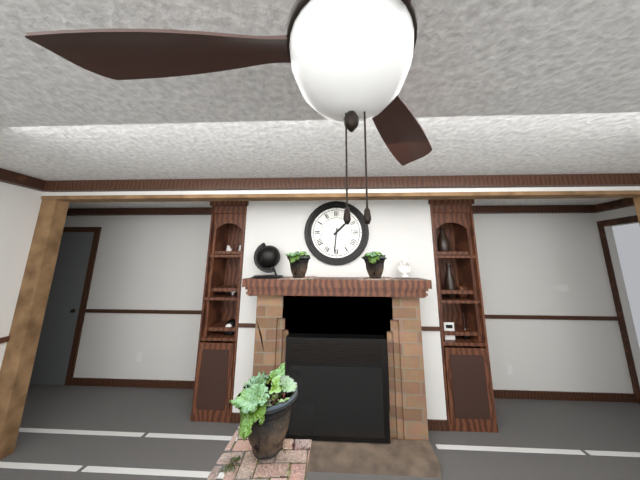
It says 1 h 31 min
